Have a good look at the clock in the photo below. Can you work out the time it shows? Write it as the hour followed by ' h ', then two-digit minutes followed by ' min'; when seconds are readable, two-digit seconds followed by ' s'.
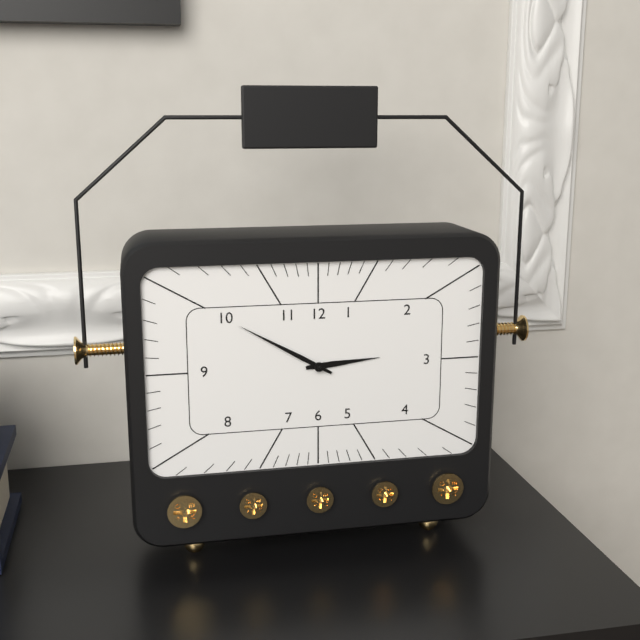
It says 2 h 50 min
